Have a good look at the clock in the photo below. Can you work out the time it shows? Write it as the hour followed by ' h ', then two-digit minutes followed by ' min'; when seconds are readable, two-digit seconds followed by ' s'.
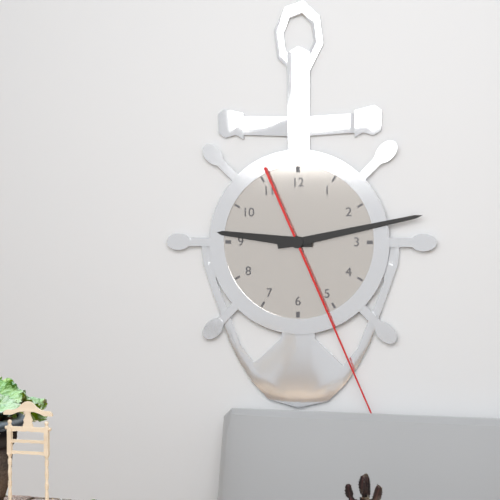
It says 9 h 13 min 26 s
